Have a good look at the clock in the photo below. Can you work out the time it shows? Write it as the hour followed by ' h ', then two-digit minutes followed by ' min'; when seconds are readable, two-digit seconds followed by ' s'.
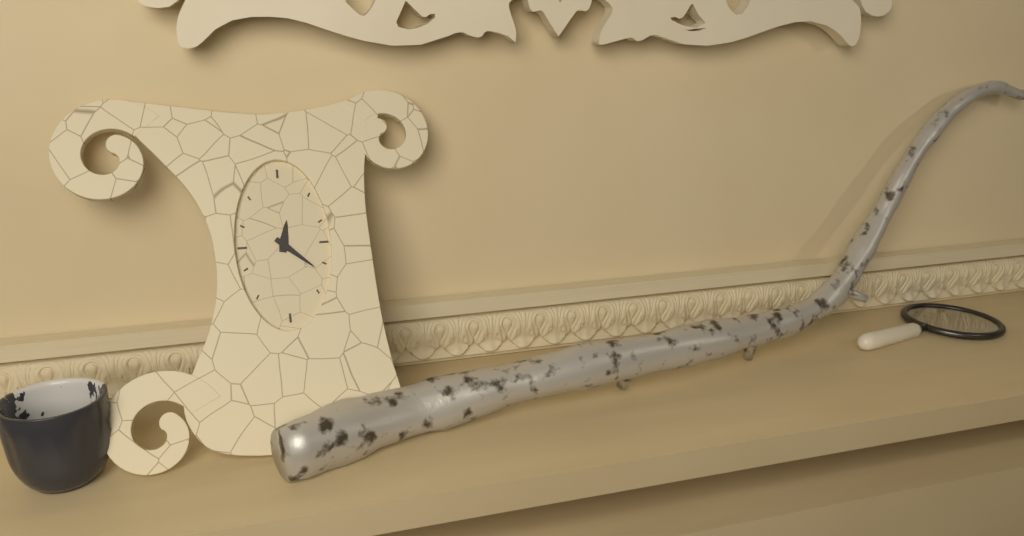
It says 12 h 22 min
